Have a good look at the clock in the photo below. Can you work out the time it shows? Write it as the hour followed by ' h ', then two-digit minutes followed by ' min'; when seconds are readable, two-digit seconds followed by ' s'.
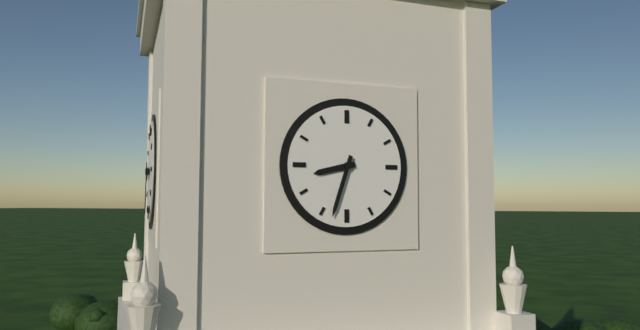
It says 8 h 33 min
